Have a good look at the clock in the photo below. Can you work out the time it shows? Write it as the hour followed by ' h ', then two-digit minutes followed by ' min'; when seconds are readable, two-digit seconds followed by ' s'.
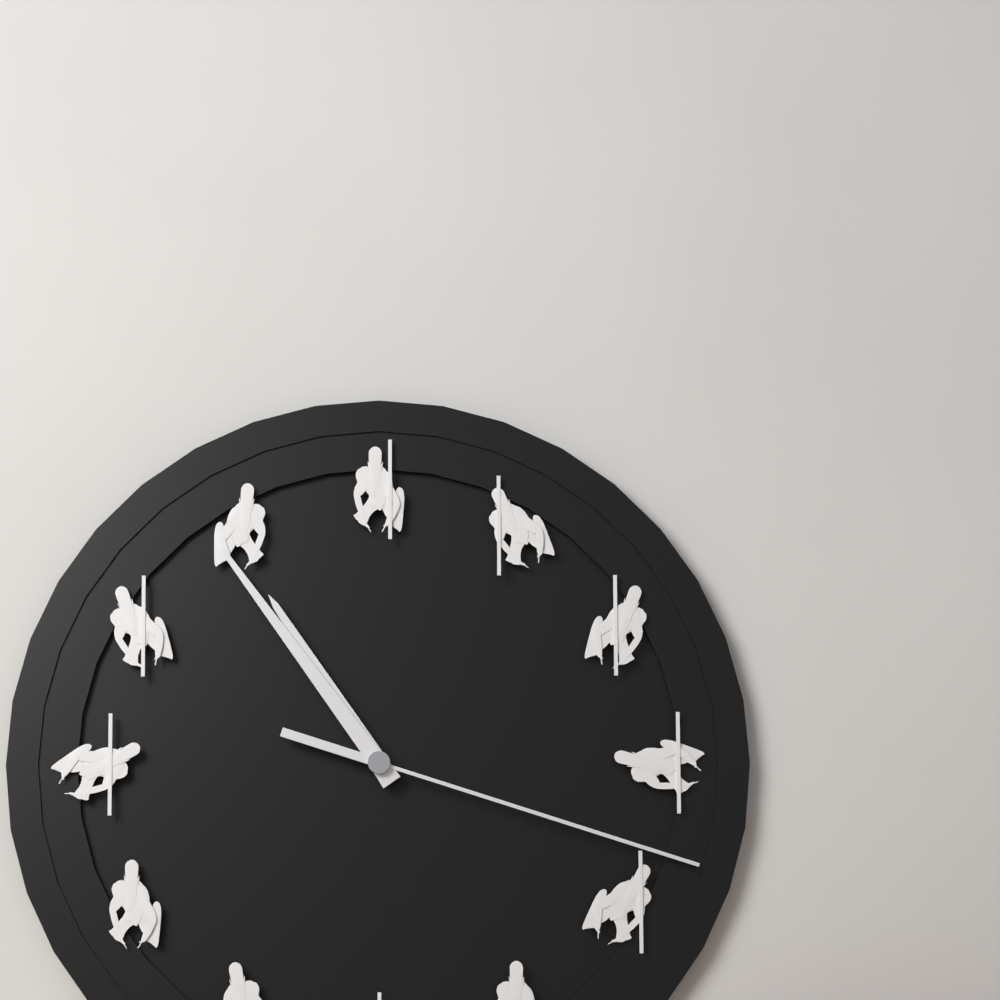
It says 10 h 54 min 18 s
